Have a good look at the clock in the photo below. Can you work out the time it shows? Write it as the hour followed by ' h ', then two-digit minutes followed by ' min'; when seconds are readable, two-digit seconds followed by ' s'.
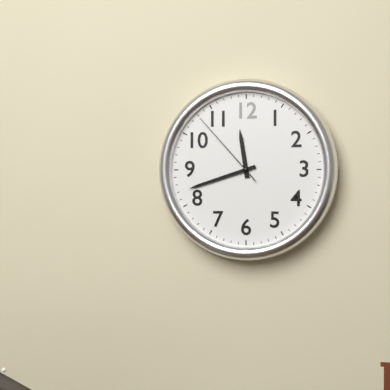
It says 11 h 42 min 53 s
